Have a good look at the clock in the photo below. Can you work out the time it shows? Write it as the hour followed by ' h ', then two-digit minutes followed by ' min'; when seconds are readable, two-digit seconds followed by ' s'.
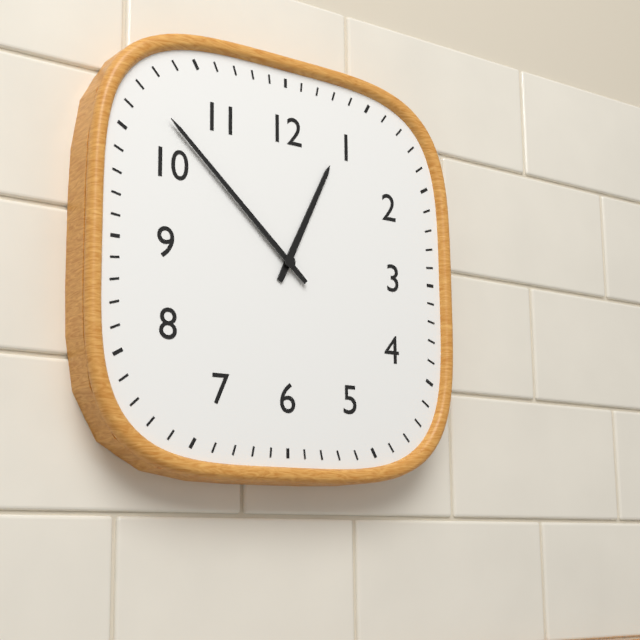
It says 12 h 52 min
